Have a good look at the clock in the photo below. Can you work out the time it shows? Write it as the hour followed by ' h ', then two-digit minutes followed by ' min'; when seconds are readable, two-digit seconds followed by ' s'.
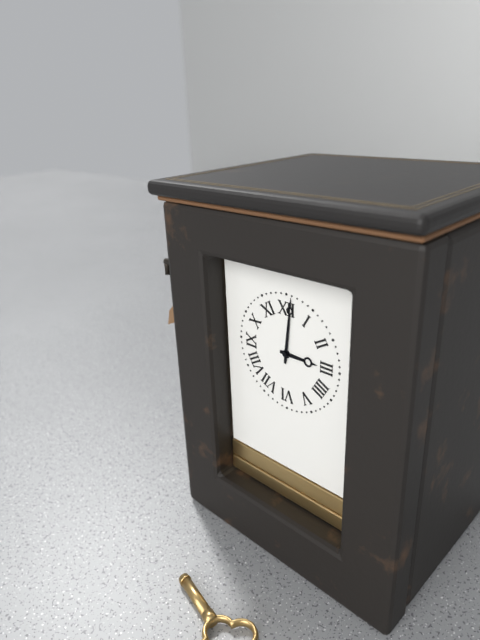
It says 3 h 01 min
